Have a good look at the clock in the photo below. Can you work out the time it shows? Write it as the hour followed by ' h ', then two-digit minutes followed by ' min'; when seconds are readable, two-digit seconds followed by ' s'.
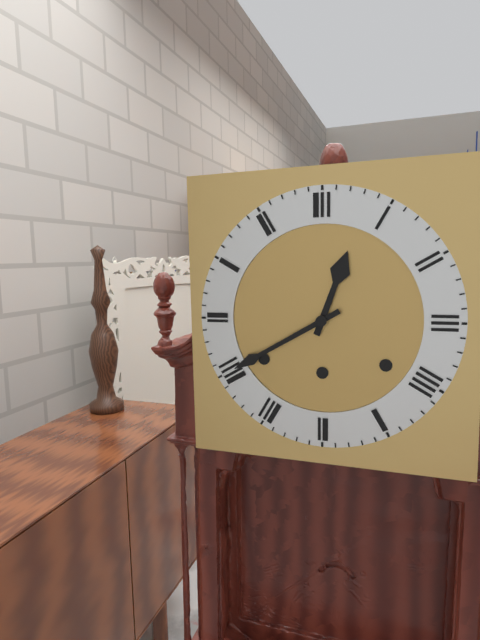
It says 12 h 40 min
